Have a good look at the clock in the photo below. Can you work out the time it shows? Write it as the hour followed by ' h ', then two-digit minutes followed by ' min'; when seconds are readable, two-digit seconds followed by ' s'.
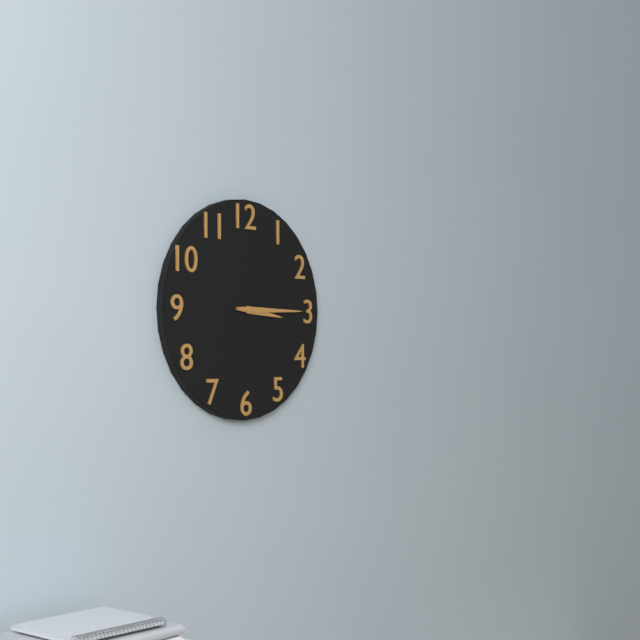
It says 3 h 15 min
